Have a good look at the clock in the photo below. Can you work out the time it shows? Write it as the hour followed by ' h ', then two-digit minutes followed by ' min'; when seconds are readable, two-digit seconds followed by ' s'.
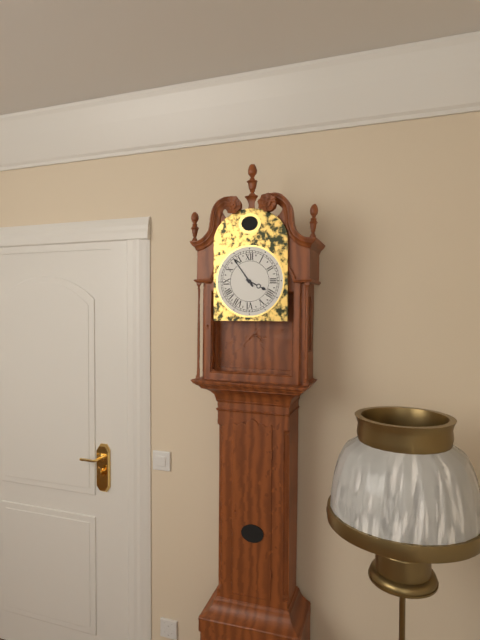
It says 3 h 54 min
